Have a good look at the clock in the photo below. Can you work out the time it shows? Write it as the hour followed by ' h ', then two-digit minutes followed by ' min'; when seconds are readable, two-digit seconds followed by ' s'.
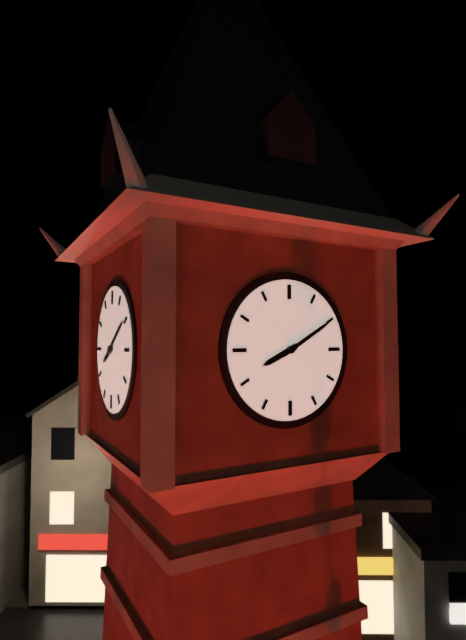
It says 8 h 10 min
